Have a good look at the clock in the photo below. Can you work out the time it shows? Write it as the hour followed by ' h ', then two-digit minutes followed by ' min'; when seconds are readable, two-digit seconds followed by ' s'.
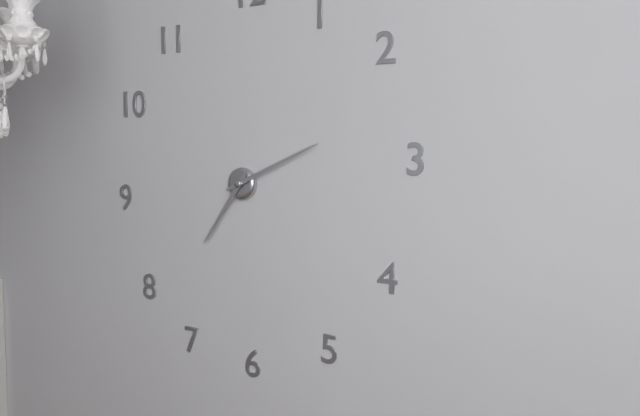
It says 7 h 11 min
